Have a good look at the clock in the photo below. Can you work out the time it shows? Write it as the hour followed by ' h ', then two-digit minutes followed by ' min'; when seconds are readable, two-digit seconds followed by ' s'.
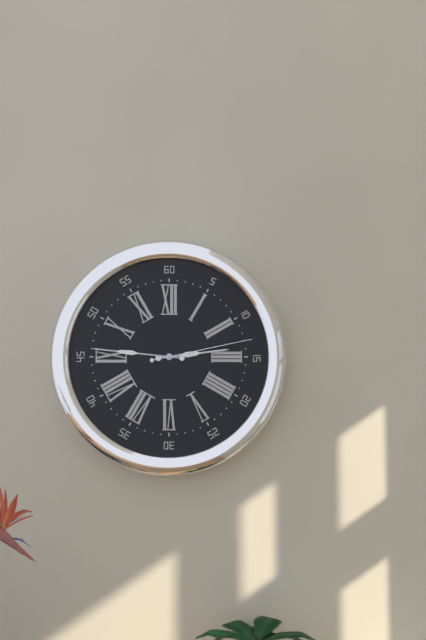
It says 2 h 46 min 13 s
